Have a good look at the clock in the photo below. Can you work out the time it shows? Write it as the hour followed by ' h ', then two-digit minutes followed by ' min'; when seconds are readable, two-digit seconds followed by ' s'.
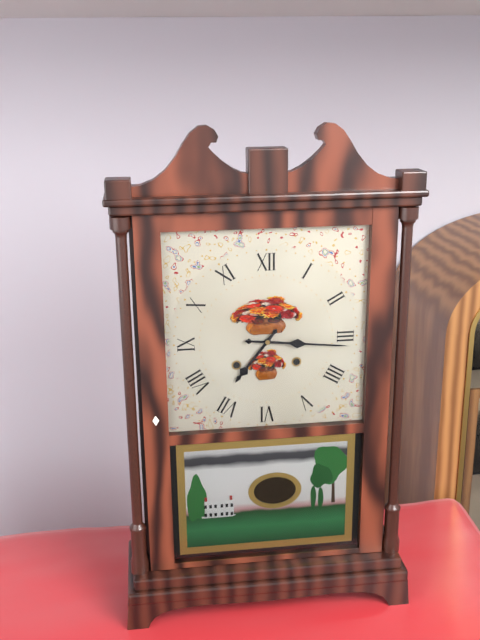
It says 7 h 16 min
